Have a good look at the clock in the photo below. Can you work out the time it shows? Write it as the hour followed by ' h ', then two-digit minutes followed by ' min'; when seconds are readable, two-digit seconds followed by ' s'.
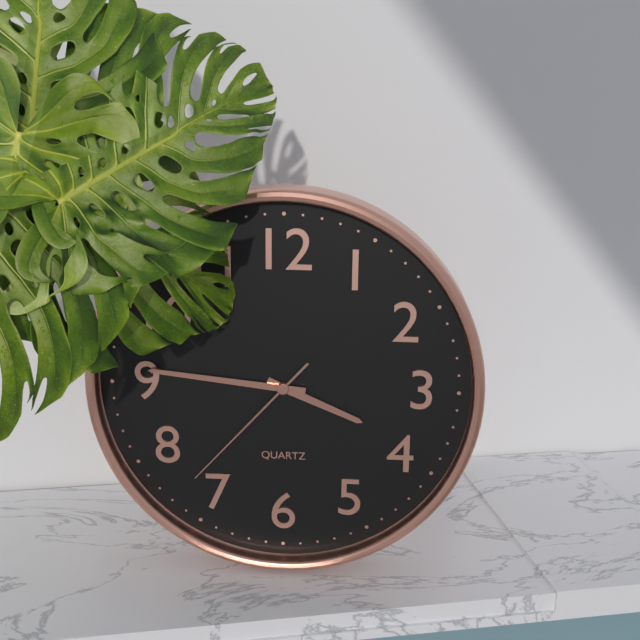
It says 3 h 46 min 37 s
